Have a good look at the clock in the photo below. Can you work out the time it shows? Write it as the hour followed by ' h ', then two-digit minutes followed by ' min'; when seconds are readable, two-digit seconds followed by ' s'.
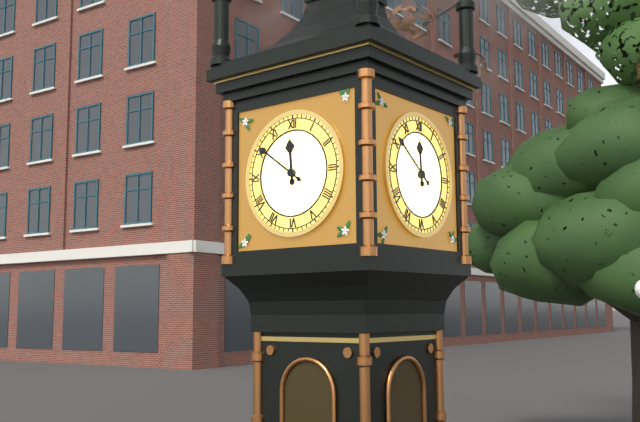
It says 11 h 51 min
